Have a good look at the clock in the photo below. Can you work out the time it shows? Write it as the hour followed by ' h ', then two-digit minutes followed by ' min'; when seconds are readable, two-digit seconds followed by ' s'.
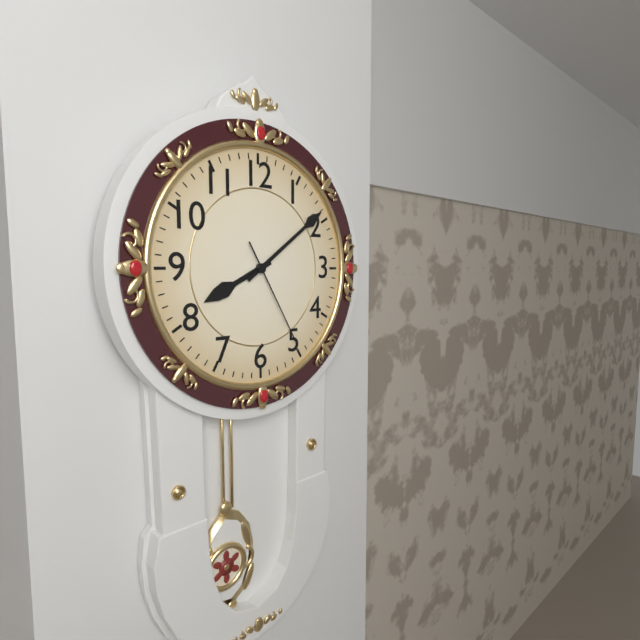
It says 8 h 09 min 25 s
